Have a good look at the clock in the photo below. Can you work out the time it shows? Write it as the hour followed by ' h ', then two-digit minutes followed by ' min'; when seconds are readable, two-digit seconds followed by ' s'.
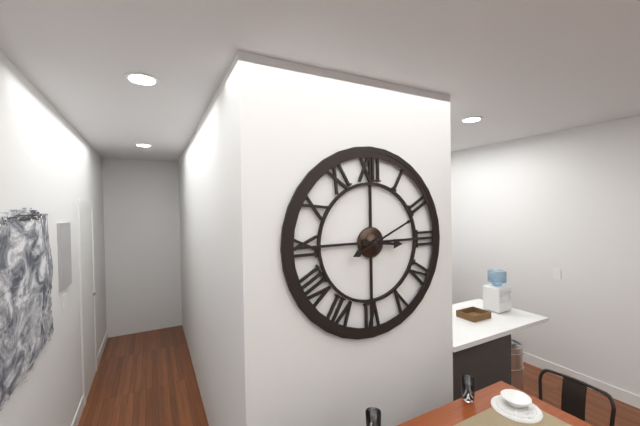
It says 3 h 11 min
